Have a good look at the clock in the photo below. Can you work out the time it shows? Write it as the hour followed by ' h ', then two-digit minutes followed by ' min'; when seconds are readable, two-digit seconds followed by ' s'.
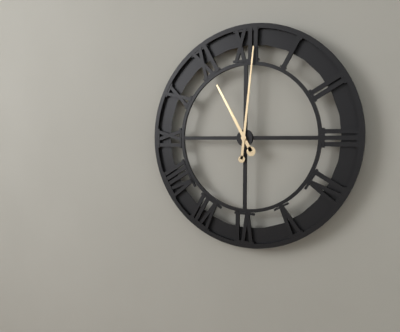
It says 11 h 01 min
